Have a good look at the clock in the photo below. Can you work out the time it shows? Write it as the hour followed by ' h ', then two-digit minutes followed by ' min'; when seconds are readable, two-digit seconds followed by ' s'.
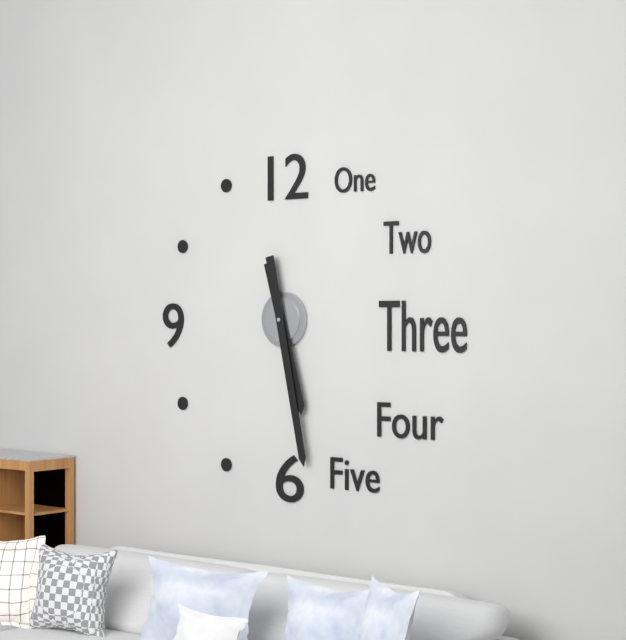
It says 5 h 28 min
